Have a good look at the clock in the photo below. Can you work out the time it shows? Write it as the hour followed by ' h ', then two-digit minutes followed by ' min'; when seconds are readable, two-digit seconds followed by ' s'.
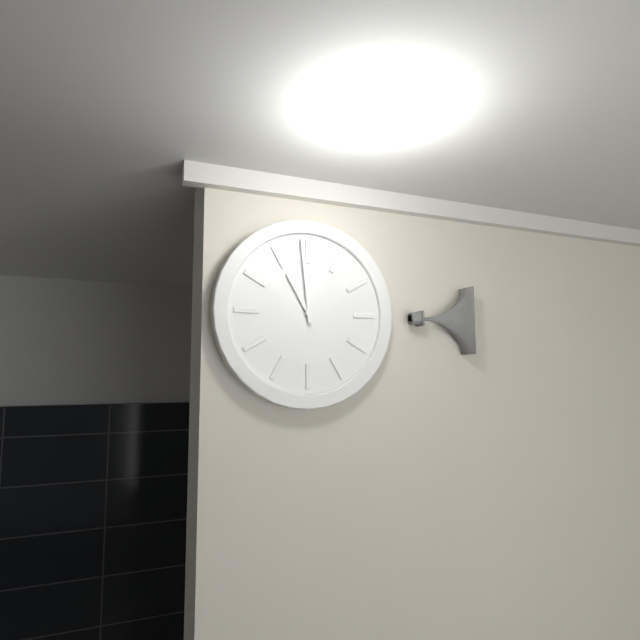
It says 10 h 59 min
